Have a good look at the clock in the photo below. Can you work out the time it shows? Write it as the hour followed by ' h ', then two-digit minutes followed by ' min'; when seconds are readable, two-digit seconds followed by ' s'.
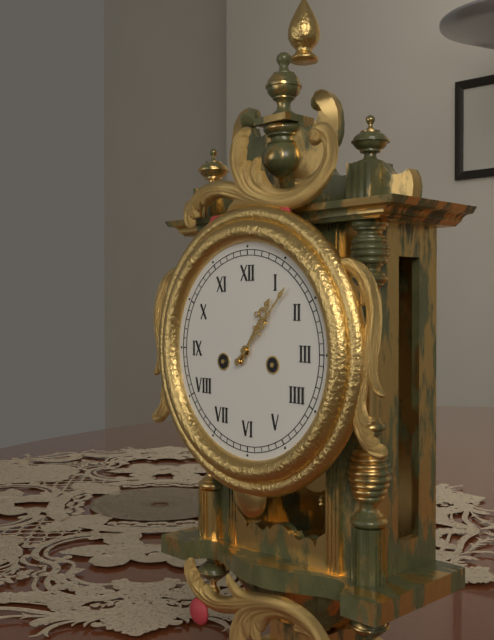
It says 1 h 07 min
